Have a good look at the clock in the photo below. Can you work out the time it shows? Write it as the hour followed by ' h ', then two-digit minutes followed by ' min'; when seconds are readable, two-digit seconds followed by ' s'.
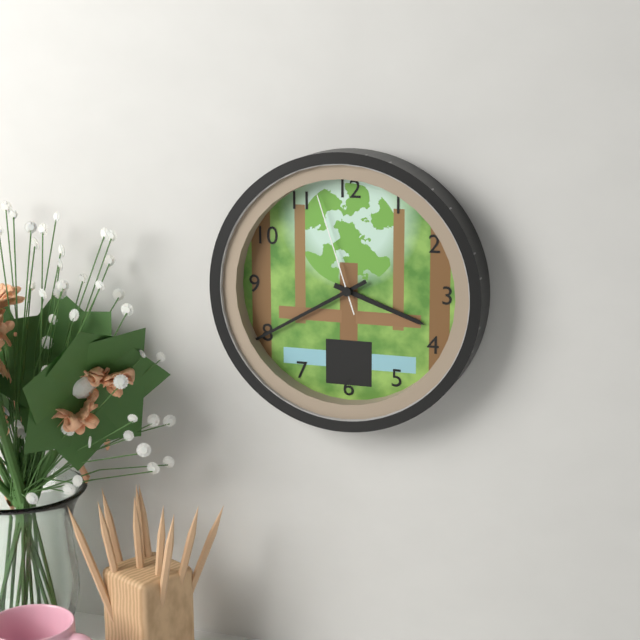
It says 3 h 40 min 57 s
